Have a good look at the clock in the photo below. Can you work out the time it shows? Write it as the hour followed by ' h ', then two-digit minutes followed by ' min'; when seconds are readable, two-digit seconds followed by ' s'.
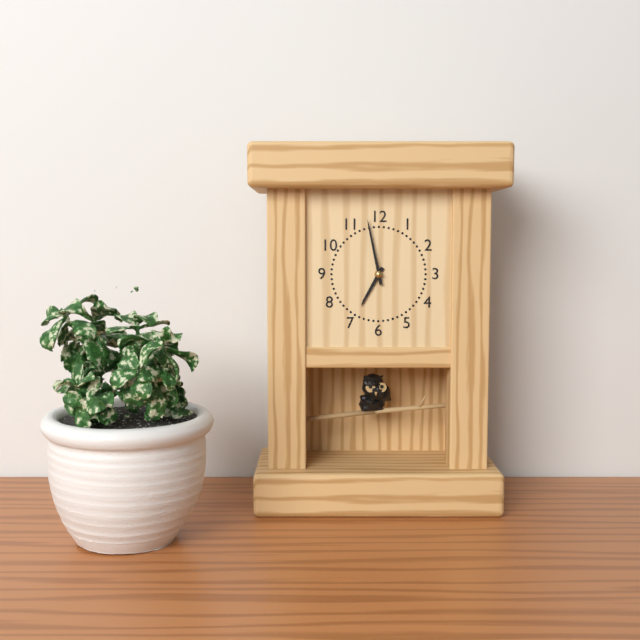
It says 6 h 58 min
